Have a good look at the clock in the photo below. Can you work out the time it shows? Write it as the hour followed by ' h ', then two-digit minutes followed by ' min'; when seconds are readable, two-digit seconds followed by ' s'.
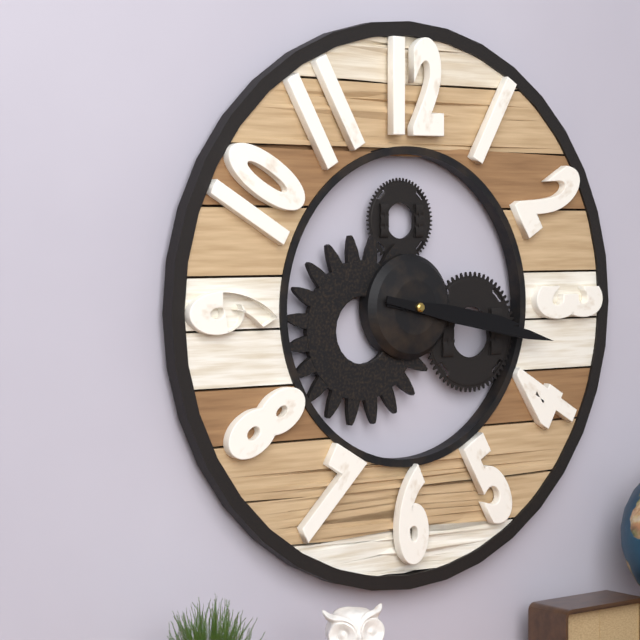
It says 3 h 17 min
